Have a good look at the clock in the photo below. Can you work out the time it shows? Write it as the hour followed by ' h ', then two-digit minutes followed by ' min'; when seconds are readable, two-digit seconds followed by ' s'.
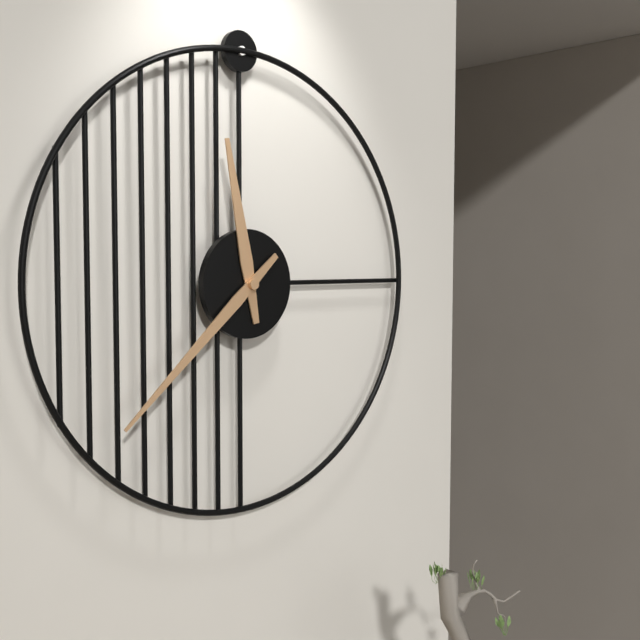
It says 11 h 38 min
